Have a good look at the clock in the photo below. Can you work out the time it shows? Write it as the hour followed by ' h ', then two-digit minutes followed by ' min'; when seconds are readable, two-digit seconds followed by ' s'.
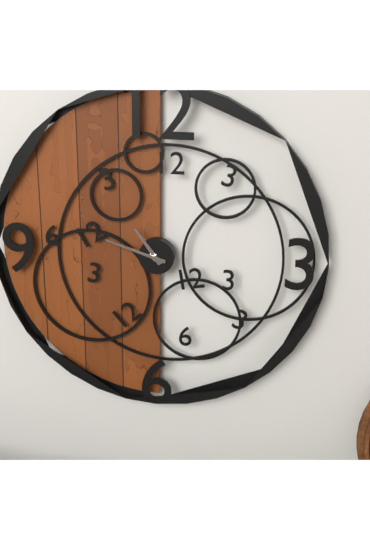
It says 10 h 48 min
